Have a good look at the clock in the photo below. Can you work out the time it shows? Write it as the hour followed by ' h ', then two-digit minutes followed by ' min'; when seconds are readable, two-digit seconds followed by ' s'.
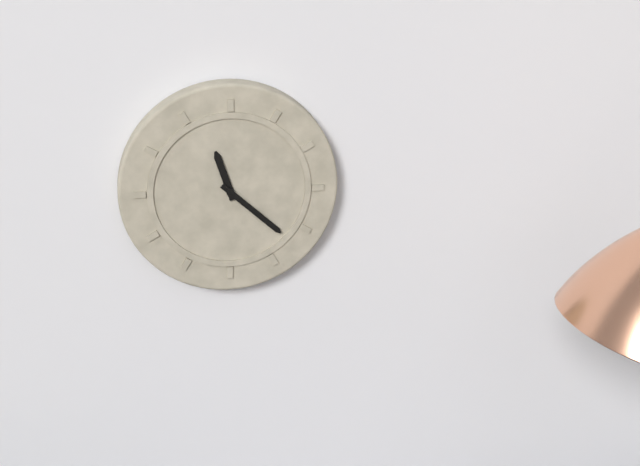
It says 11 h 22 min
